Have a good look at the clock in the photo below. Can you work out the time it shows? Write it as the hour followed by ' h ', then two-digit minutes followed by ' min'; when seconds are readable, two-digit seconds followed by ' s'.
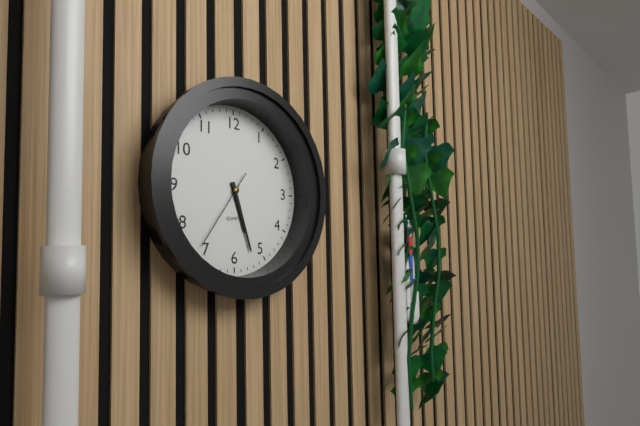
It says 5 h 27 min 36 s
